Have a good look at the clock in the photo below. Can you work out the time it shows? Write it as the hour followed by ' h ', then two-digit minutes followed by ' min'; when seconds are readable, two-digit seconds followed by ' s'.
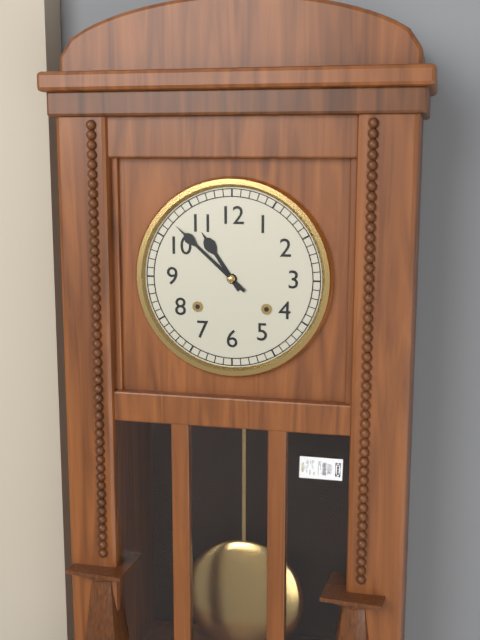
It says 10 h 52 min
